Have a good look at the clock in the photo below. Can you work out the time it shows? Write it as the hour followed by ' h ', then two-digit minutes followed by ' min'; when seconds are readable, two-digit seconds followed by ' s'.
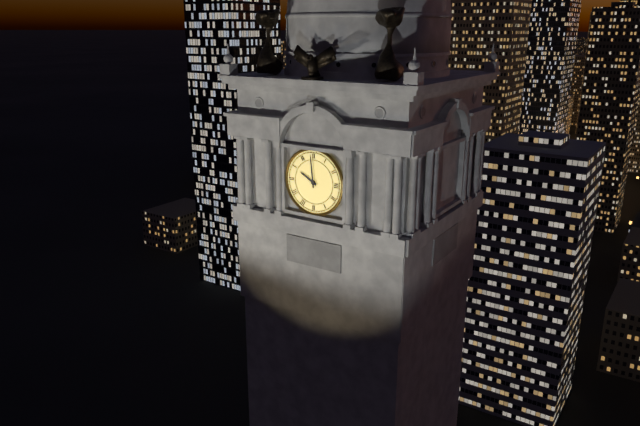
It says 9 h 59 min
